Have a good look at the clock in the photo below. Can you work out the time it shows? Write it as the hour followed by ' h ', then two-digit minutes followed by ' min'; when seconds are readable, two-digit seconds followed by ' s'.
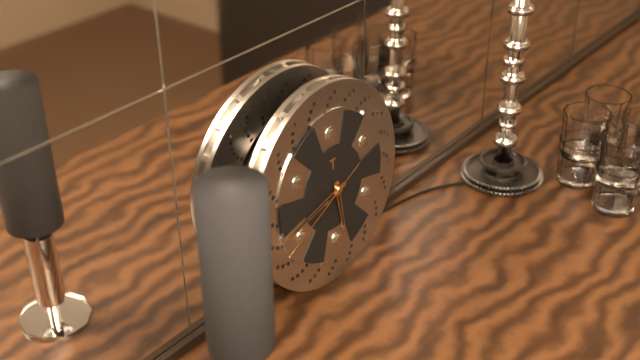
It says 5 h 43 min 41 s
